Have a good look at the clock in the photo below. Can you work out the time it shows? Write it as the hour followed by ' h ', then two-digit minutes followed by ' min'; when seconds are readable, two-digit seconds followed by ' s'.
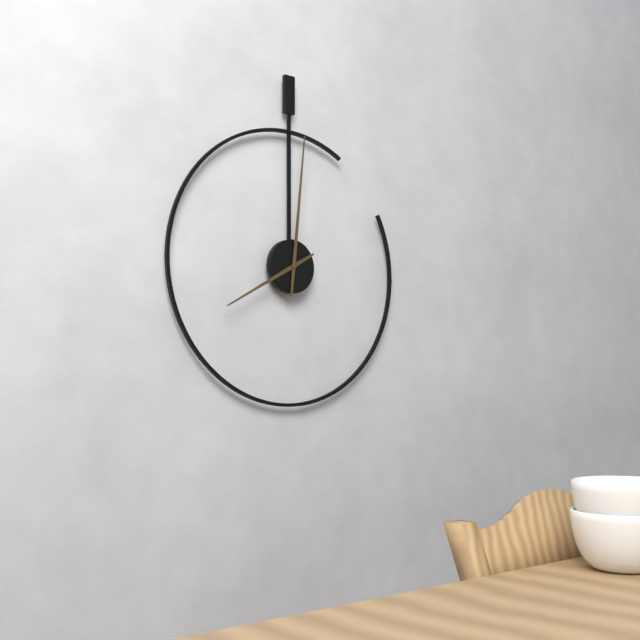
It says 8 h 01 min
